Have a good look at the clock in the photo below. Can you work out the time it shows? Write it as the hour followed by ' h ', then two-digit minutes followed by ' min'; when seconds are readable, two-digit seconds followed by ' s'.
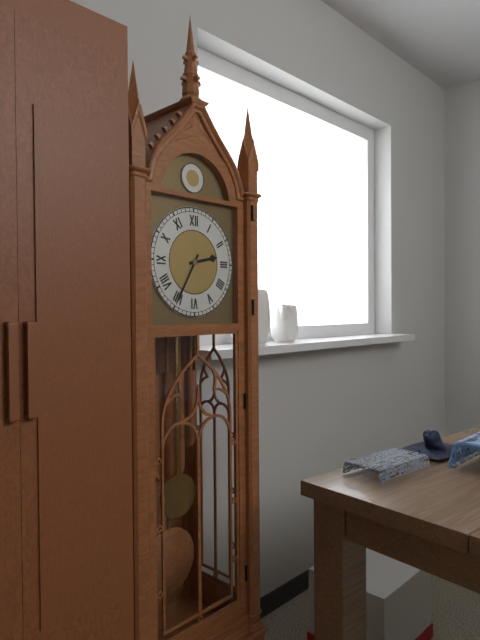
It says 2 h 35 min
